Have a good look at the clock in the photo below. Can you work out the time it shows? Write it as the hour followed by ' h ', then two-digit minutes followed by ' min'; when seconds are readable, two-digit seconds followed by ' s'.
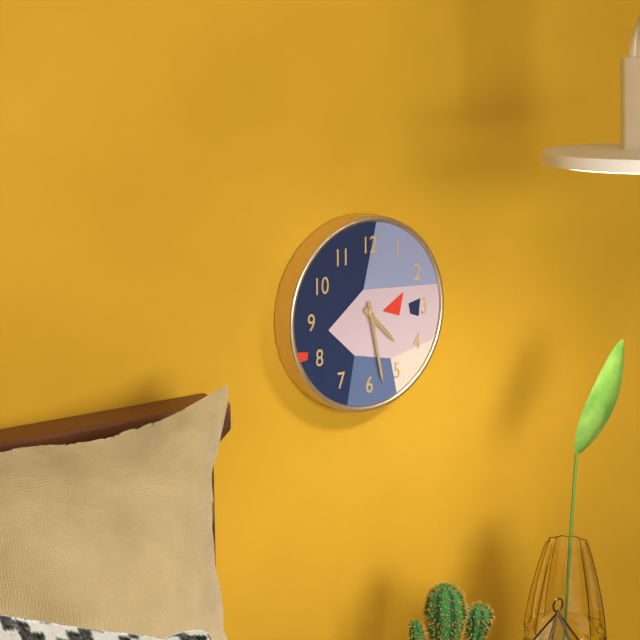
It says 4 h 28 min
